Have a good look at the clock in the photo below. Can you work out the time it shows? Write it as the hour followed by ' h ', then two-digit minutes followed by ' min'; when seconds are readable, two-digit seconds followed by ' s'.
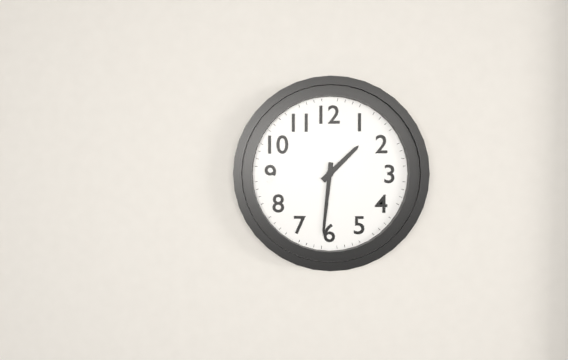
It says 1 h 31 min
